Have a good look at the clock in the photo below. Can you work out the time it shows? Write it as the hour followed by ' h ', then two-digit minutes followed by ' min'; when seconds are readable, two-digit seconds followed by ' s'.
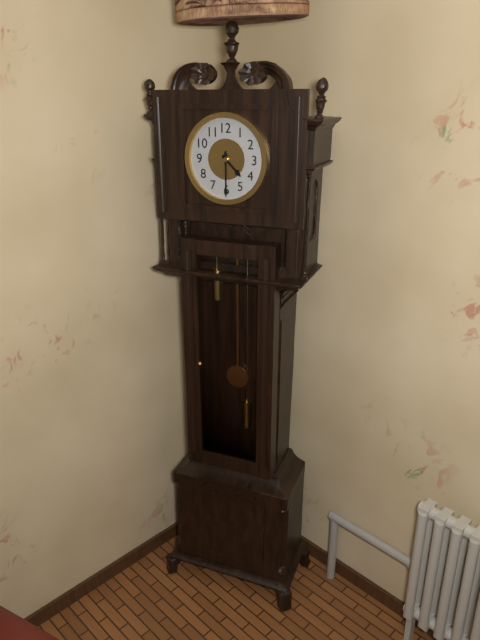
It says 4 h 30 min
